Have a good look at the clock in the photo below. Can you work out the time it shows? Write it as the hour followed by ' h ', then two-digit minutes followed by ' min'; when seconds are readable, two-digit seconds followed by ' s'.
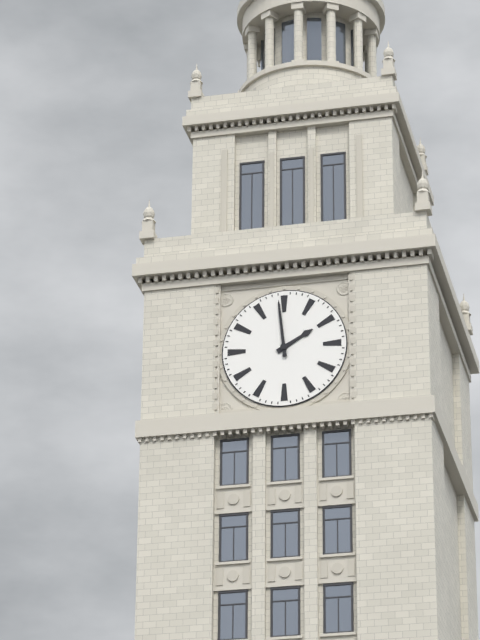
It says 1 h 59 min
